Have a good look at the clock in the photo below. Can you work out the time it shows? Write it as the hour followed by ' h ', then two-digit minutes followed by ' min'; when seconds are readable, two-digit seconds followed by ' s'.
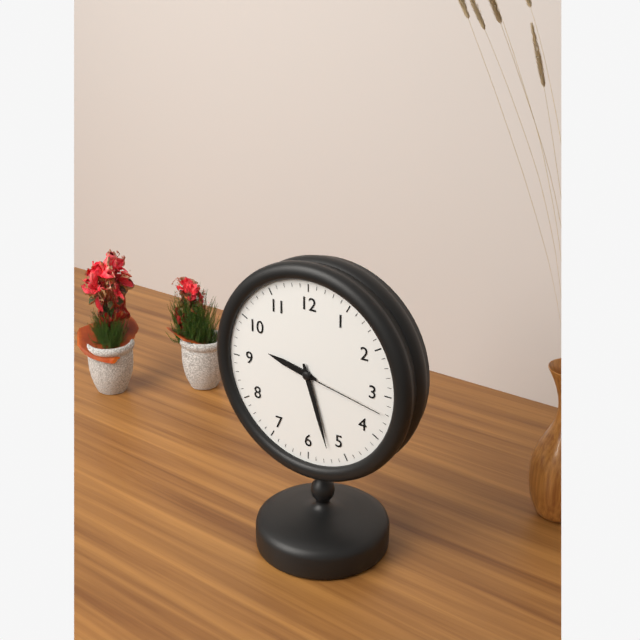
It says 9 h 27 min 17 s
